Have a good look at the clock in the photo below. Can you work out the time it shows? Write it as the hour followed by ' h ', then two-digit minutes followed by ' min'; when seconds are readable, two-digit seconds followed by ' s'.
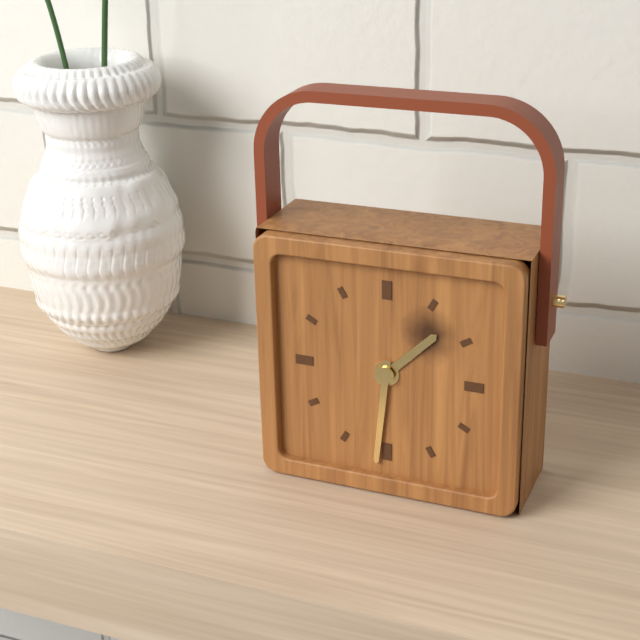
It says 1 h 31 min
